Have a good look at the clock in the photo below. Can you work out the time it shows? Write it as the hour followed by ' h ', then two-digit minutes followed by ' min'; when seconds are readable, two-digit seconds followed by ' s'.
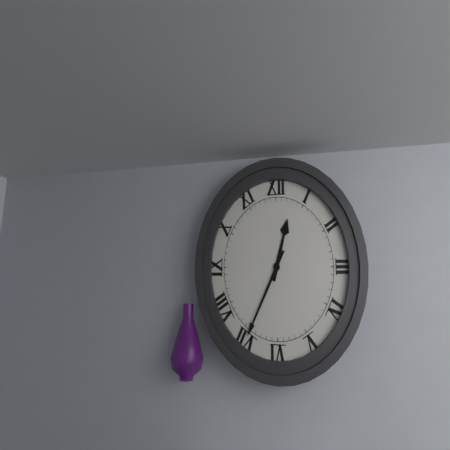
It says 12 h 35 min
